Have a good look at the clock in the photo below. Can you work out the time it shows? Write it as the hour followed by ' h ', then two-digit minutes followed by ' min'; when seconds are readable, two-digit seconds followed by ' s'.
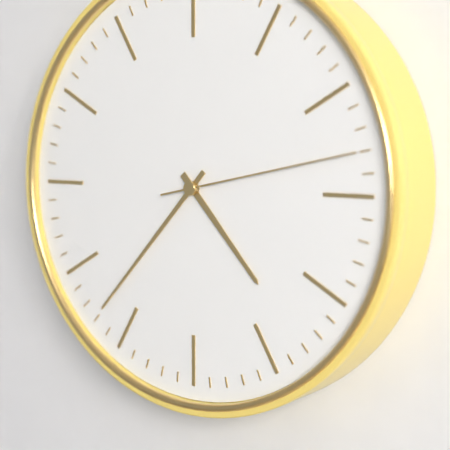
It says 4 h 37 min 13 s
